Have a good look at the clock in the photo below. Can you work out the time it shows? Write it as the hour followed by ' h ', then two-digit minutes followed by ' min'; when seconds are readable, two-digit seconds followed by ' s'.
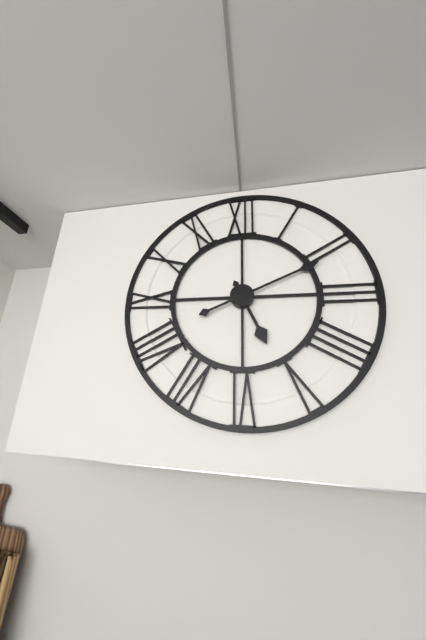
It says 5 h 11 min
